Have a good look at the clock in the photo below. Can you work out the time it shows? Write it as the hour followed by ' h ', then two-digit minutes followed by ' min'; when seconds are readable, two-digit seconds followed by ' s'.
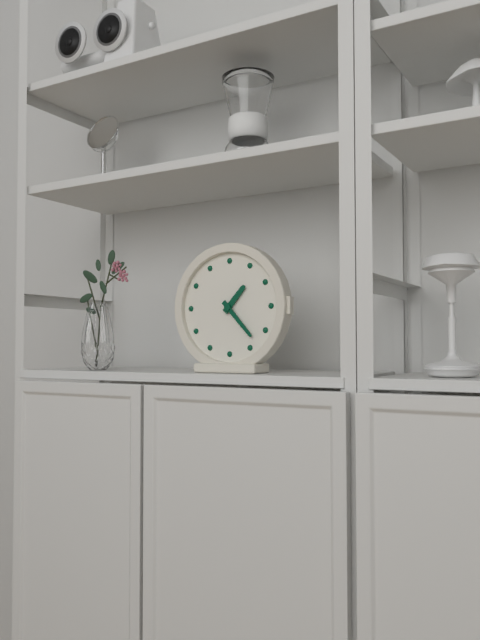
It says 1 h 23 min
